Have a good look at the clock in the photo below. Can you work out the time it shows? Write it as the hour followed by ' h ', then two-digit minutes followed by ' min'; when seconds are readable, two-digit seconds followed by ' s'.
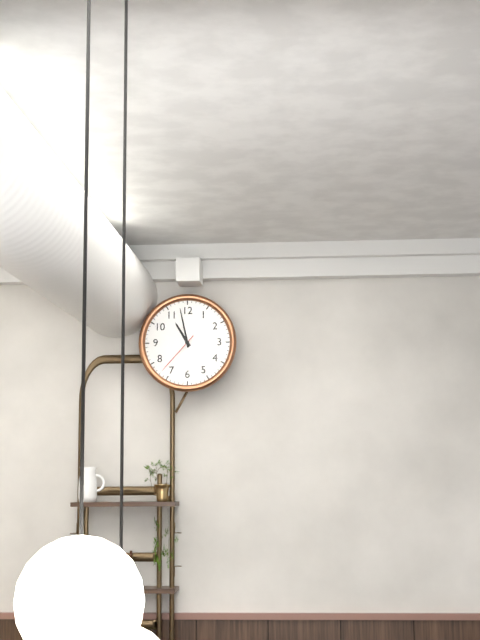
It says 10 h 58 min
